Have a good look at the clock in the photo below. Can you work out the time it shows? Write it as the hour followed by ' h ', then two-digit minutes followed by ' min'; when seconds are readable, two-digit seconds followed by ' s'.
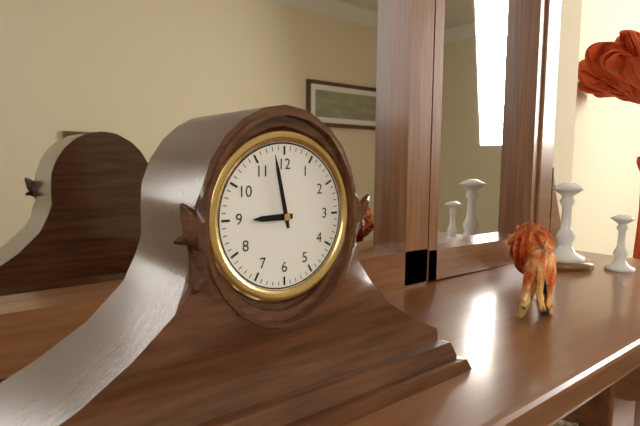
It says 8 h 58 min
